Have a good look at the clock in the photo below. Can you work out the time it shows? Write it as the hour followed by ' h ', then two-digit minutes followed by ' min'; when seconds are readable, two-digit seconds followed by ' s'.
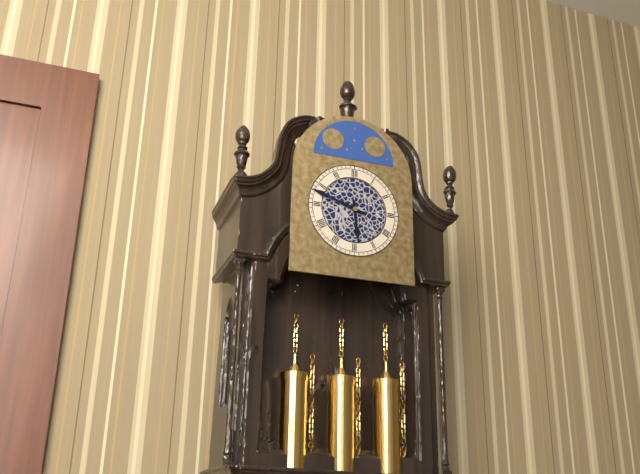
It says 5 h 48 min
